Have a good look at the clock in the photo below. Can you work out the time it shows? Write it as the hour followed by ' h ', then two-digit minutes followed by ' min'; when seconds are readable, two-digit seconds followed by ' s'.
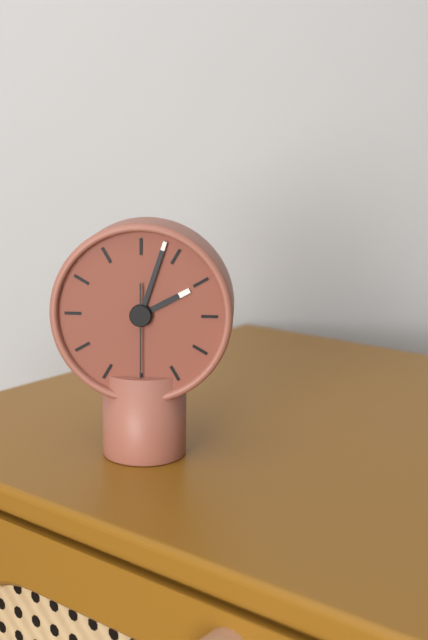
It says 2 h 03 min 30 s
